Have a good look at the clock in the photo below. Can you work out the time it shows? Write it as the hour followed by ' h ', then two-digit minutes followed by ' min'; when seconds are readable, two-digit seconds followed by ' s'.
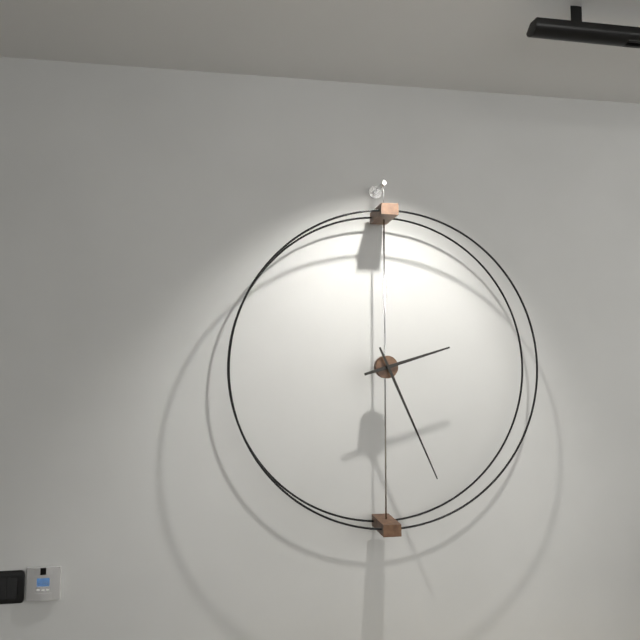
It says 2 h 26 min
